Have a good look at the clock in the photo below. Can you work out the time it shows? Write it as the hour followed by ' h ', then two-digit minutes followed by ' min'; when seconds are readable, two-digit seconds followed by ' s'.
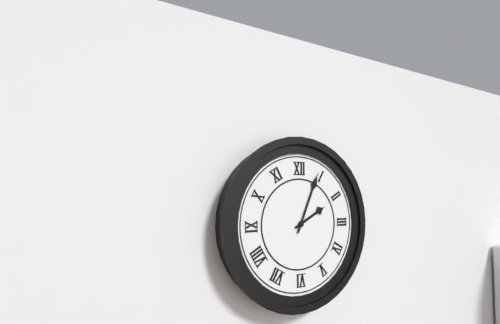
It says 2 h 04 min
